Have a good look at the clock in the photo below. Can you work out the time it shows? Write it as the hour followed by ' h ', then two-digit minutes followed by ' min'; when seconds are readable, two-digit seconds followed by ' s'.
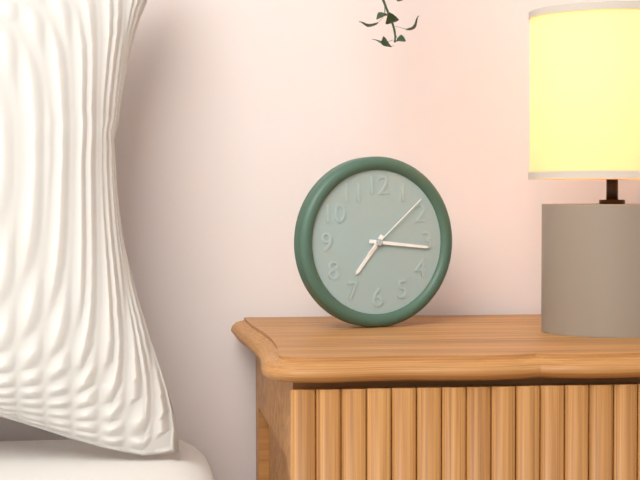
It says 7 h 16 min 08 s
